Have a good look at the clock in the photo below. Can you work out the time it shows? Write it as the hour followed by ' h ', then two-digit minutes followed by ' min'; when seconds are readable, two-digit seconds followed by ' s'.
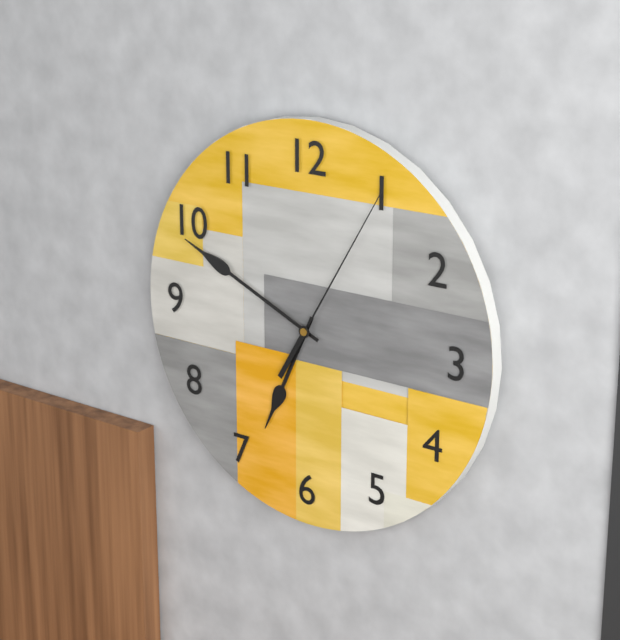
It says 6 h 49 min 05 s
